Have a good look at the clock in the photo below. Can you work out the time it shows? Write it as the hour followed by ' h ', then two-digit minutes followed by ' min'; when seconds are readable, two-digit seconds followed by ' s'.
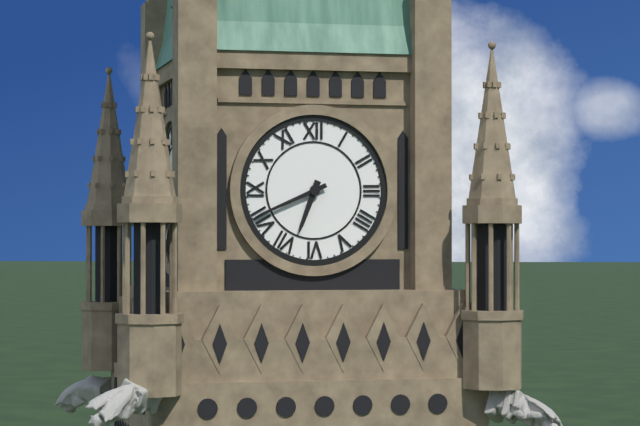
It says 6 h 41 min
